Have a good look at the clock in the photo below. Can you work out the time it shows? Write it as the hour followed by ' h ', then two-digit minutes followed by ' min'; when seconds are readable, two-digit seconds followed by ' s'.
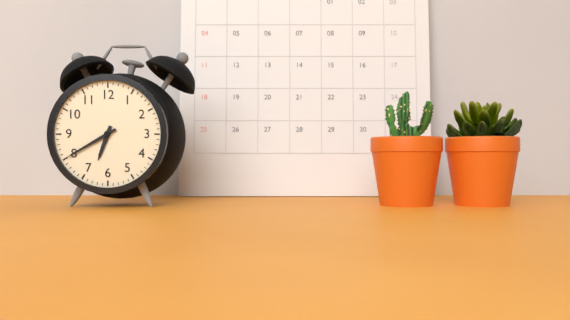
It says 6 h 40 min
